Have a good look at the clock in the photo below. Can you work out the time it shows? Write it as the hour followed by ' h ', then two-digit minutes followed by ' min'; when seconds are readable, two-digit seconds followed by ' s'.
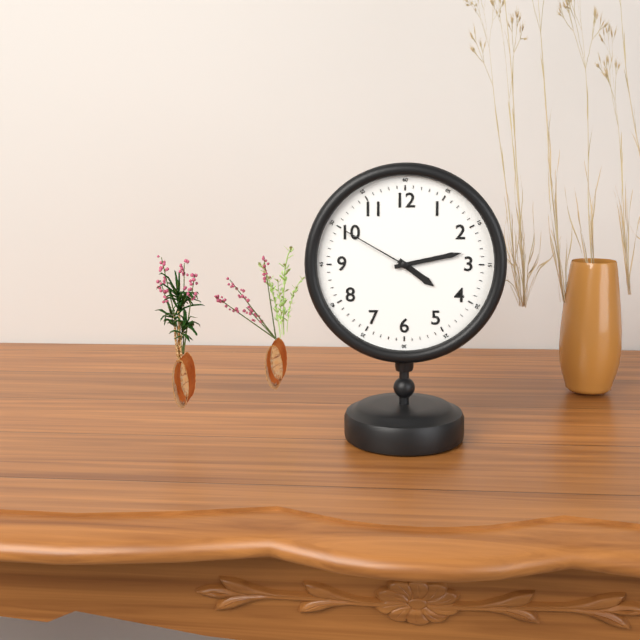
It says 4 h 13 min 50 s
